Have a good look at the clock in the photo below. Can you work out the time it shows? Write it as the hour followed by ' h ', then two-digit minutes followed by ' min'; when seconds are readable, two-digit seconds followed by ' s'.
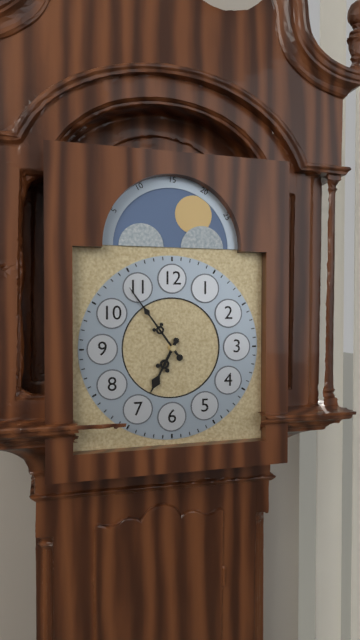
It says 6 h 54 min
